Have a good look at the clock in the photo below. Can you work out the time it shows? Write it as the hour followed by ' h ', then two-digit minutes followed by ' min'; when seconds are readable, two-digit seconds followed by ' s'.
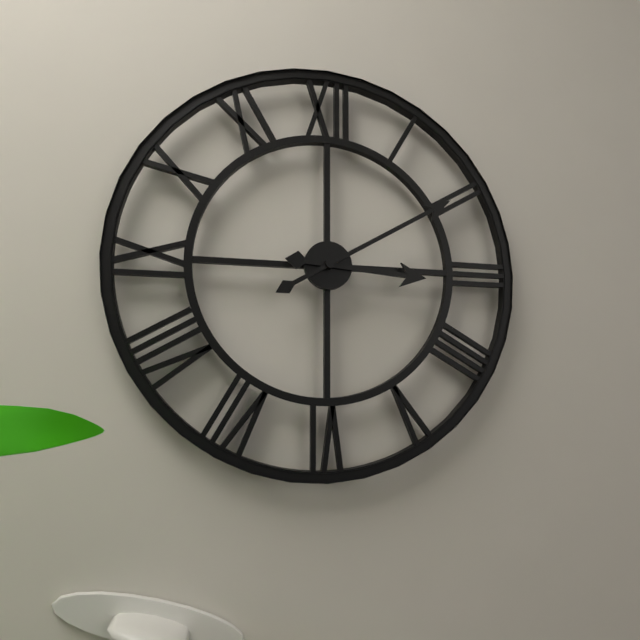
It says 3 h 10 min
